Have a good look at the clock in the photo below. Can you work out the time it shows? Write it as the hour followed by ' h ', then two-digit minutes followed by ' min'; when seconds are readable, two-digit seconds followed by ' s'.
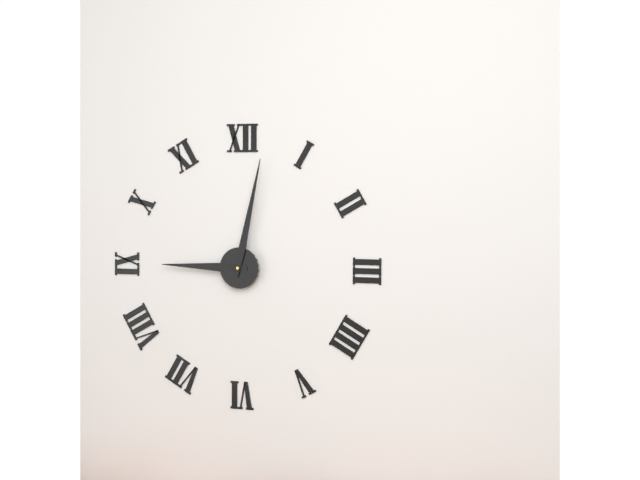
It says 9 h 02 min
